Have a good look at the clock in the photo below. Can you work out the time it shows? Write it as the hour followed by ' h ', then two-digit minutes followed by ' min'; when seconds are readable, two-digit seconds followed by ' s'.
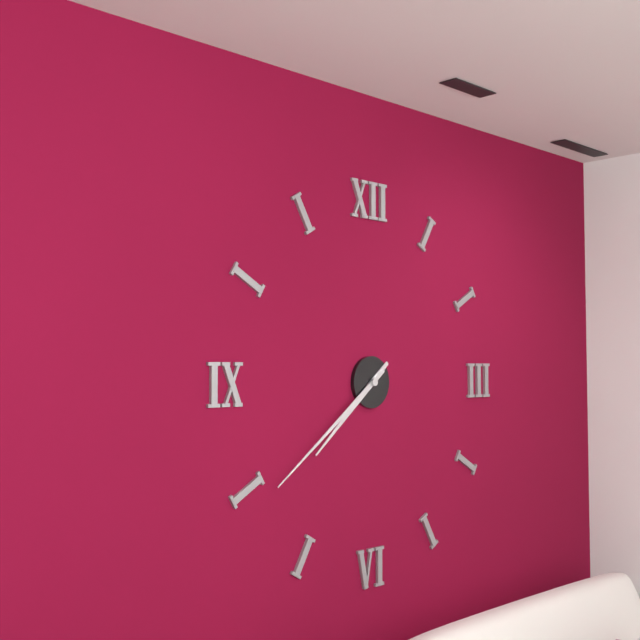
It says 7 h 39 min
